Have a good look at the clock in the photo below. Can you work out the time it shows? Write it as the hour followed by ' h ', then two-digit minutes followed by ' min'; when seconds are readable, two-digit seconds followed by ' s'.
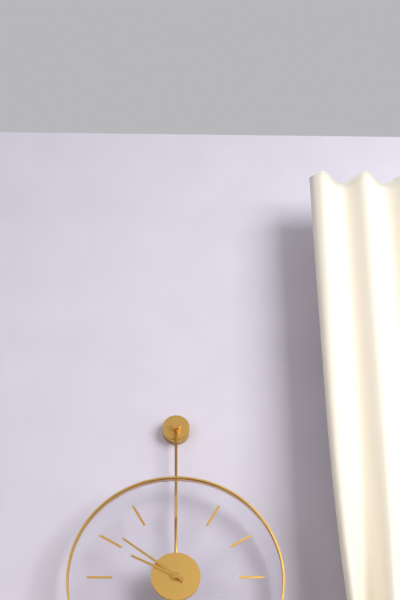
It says 9 h 51 min
